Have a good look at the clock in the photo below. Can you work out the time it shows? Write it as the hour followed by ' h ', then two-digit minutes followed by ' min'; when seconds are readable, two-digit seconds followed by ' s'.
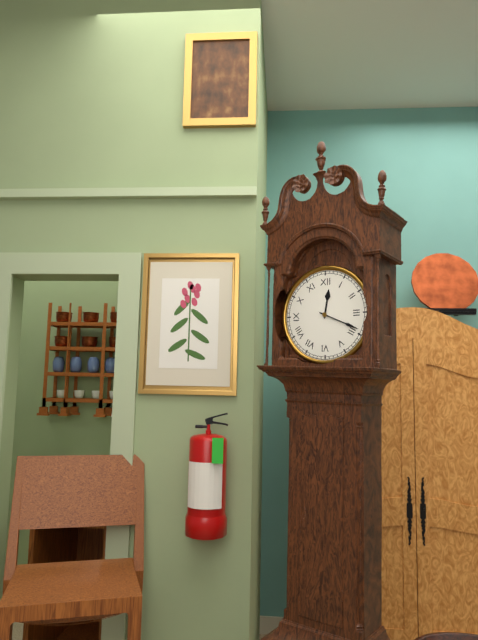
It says 12 h 19 min
